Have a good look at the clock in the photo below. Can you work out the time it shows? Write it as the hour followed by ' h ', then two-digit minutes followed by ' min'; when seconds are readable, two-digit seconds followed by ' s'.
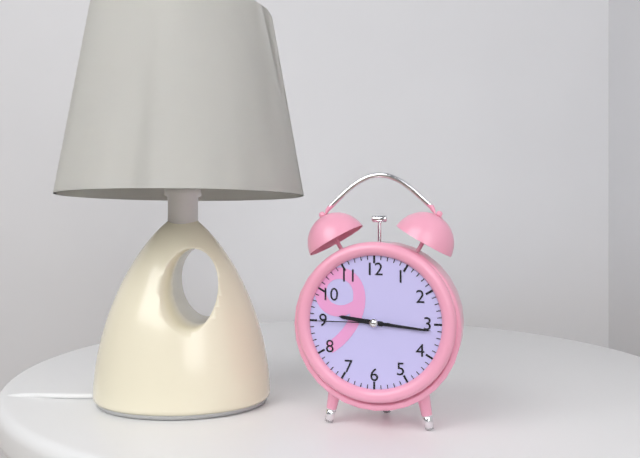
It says 9 h 16 min 45 s
